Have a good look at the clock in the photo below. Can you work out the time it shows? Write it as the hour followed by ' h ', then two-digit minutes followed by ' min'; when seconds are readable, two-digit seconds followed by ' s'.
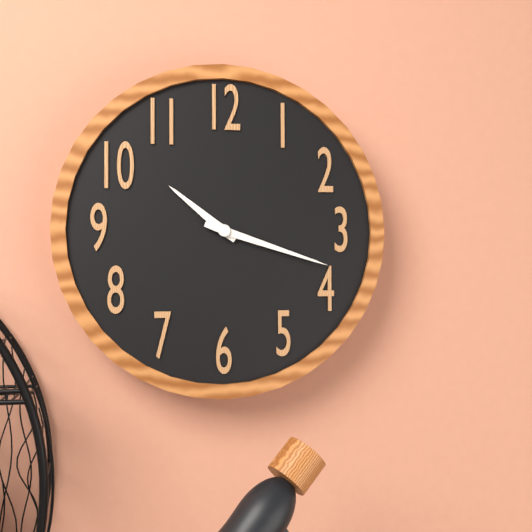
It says 10 h 18 min
